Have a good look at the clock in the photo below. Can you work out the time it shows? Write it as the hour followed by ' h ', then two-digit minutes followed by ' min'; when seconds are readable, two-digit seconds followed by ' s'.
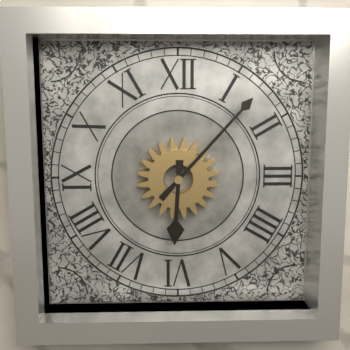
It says 6 h 07 min
